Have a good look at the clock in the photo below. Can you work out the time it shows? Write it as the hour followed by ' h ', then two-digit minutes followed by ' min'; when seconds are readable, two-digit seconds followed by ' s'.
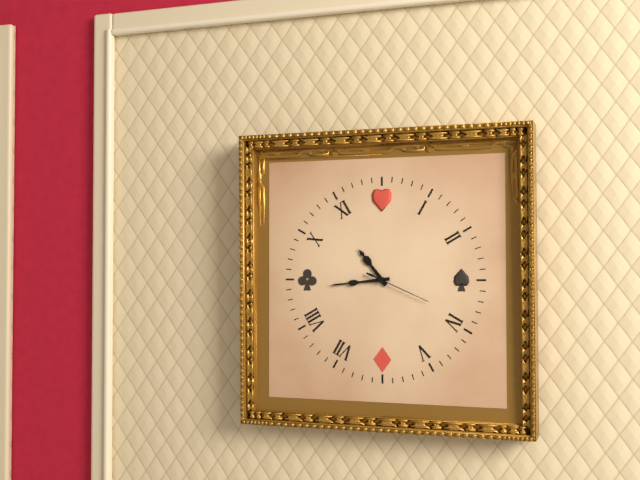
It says 10 h 44 min 19 s
